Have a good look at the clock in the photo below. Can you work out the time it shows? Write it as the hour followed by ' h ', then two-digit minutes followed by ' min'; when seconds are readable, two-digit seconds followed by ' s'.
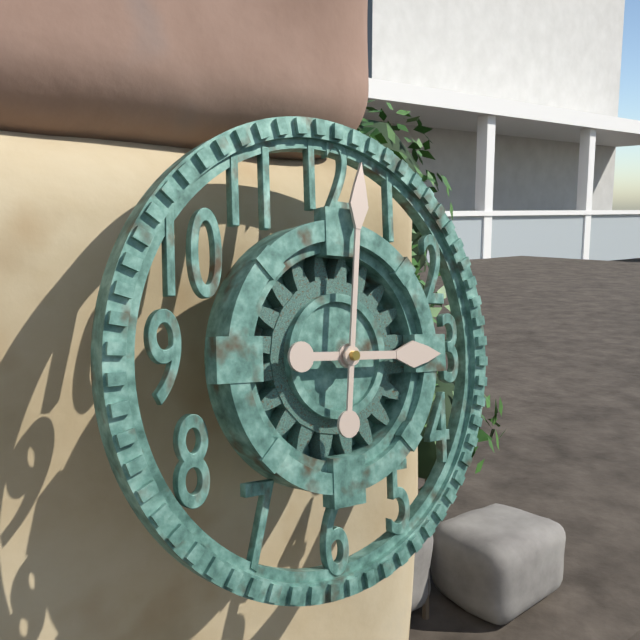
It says 3 h 01 min
